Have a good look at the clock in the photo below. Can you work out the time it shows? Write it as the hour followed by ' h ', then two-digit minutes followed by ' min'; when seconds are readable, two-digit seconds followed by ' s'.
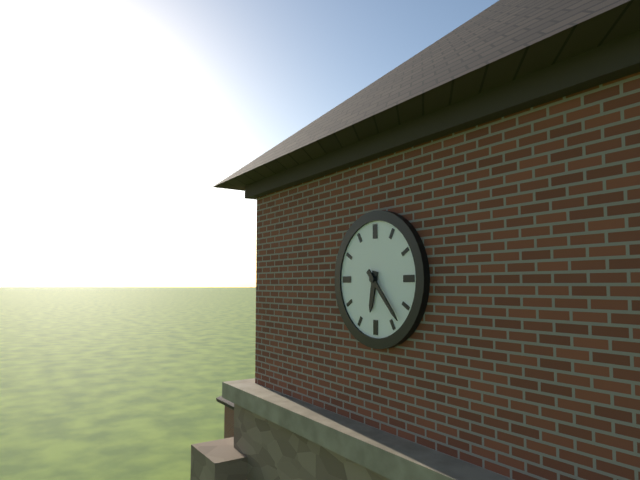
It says 6 h 23 min
